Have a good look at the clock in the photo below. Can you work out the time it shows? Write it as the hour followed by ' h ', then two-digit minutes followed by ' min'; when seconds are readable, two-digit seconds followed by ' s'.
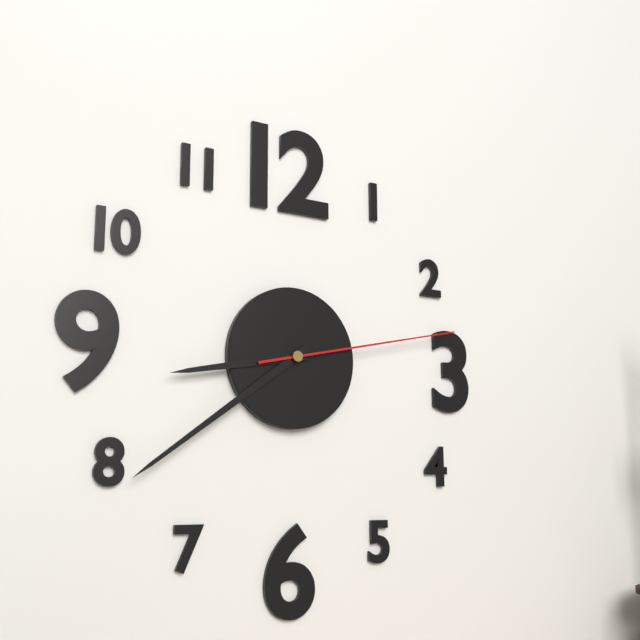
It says 8 h 39 min 13 s
